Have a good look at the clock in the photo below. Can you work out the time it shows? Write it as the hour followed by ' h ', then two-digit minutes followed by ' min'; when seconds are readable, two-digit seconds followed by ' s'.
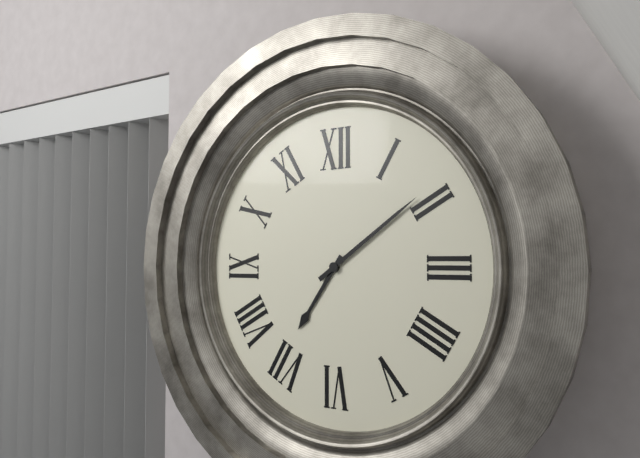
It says 7 h 09 min
